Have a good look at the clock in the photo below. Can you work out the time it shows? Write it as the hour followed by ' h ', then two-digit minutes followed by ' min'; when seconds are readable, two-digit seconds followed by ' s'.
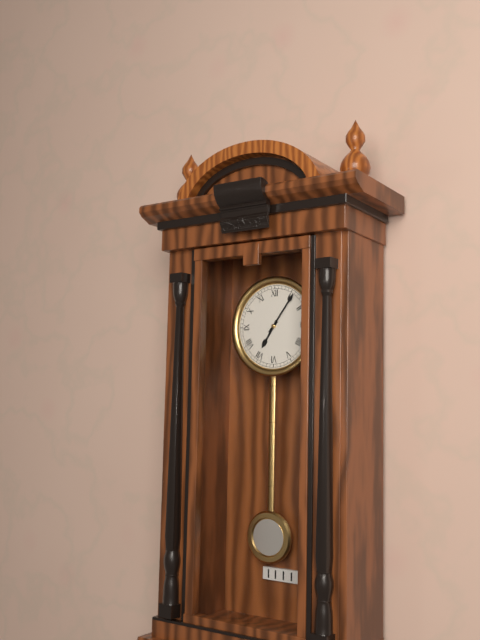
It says 7 h 06 min
